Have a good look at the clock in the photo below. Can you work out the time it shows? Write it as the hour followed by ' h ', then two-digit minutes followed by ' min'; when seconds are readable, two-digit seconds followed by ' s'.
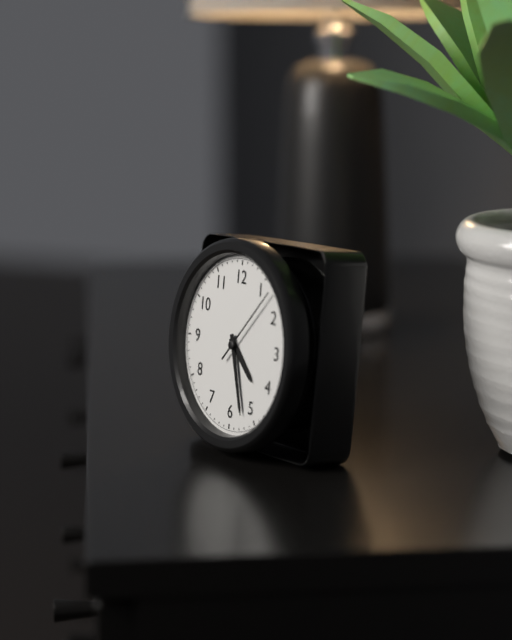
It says 4 h 27 min 07 s
